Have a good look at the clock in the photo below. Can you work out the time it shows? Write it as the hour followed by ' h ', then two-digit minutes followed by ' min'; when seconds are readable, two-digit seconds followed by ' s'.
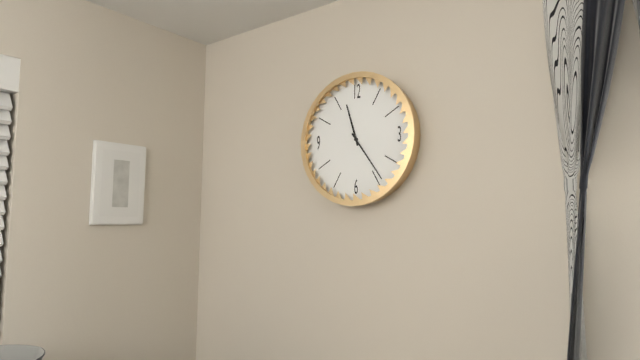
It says 11 h 24 min
